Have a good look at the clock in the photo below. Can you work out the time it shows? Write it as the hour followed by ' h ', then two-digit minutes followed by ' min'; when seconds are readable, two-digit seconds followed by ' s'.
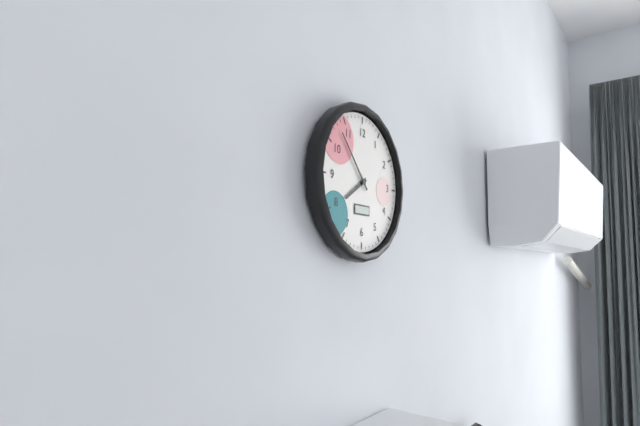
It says 7 h 53 min
